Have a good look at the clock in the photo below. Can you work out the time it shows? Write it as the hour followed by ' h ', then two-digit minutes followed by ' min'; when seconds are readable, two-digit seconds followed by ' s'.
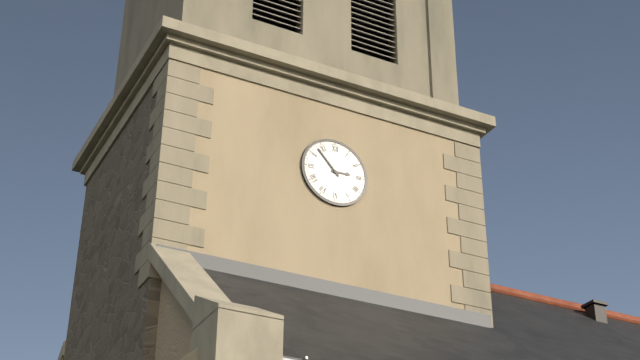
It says 2 h 53 min
